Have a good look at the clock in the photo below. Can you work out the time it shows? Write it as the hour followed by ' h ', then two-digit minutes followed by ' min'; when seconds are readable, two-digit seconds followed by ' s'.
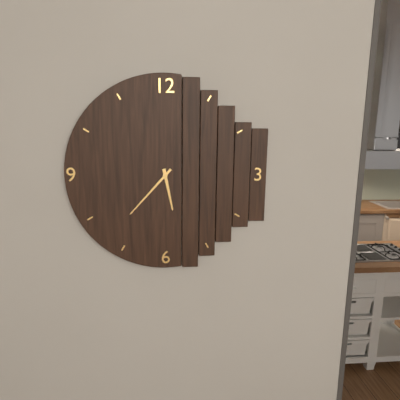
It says 5 h 37 min
